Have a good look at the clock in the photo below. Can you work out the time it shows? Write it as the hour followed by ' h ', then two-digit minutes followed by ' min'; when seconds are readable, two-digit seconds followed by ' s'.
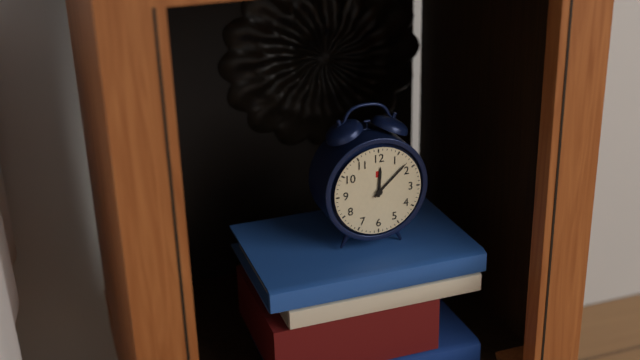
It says 12 h 08 min
